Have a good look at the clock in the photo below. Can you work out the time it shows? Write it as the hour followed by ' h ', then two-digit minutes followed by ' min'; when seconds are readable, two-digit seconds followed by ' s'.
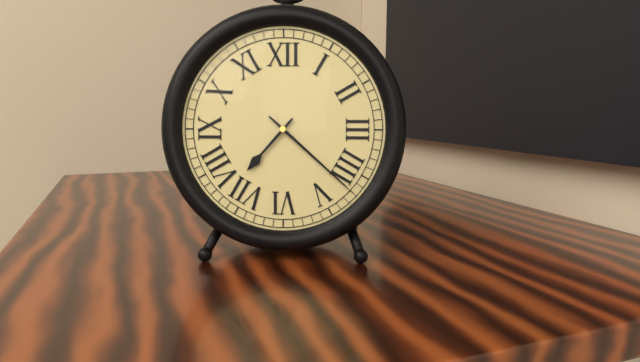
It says 7 h 22 min
